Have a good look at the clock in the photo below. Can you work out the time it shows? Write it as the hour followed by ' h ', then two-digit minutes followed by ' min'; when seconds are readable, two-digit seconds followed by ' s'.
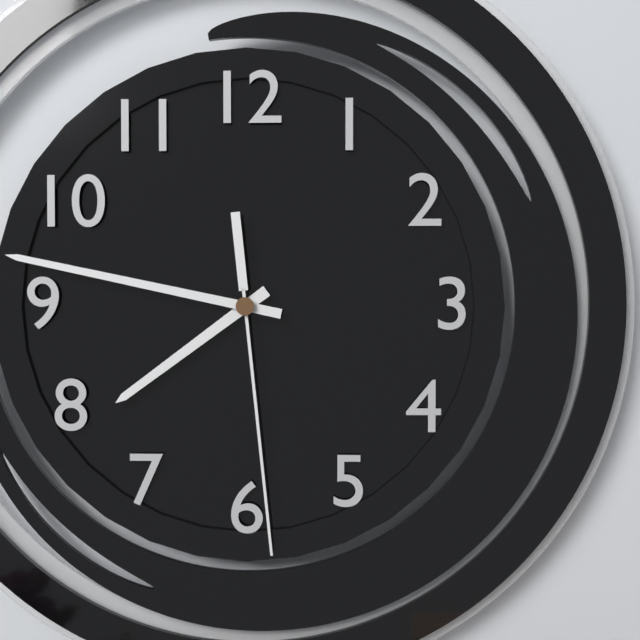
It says 7 h 47 min 29 s
